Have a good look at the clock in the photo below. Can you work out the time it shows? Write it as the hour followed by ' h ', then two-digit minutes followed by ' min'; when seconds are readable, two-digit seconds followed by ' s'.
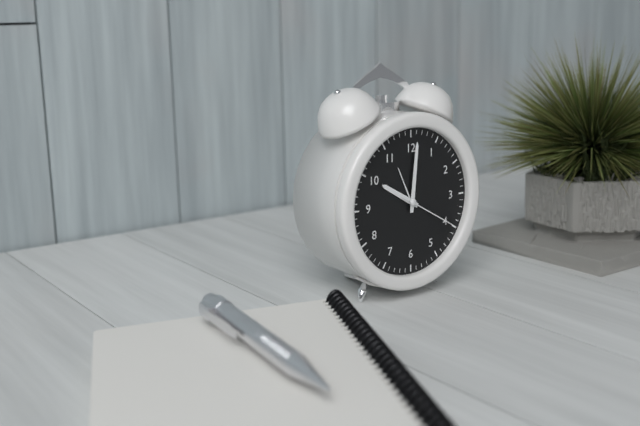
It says 10 h 01 min 20 s
